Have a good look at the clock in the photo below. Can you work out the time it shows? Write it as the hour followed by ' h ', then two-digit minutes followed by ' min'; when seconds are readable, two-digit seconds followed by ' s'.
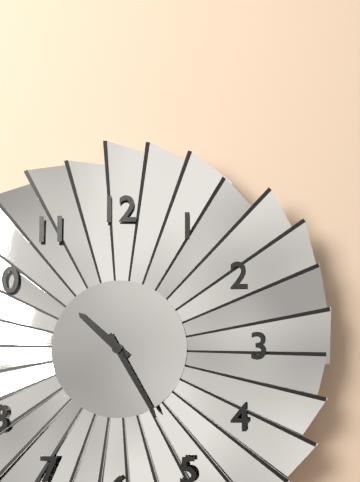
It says 10 h 25 min
